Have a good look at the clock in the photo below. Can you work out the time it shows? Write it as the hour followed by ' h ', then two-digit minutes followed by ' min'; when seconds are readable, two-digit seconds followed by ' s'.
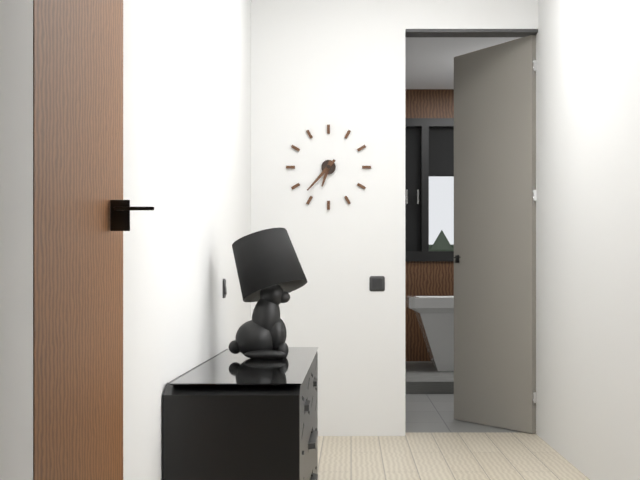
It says 6 h 37 min
